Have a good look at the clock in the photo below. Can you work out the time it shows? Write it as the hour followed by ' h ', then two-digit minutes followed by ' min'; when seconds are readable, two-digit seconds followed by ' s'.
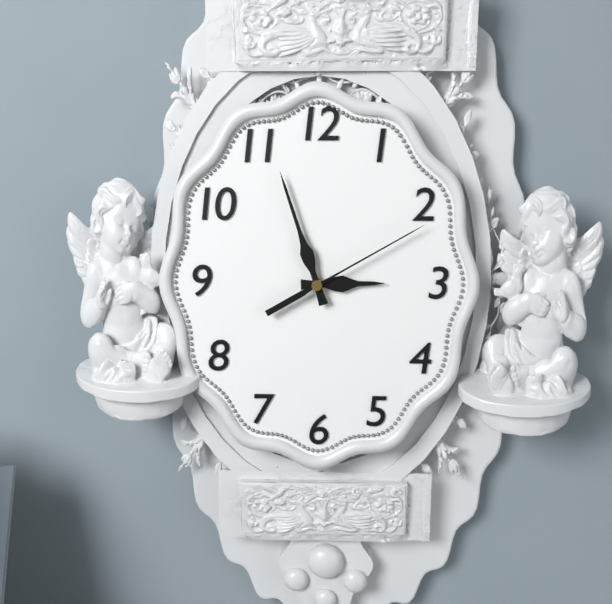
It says 2 h 57 min 10 s
